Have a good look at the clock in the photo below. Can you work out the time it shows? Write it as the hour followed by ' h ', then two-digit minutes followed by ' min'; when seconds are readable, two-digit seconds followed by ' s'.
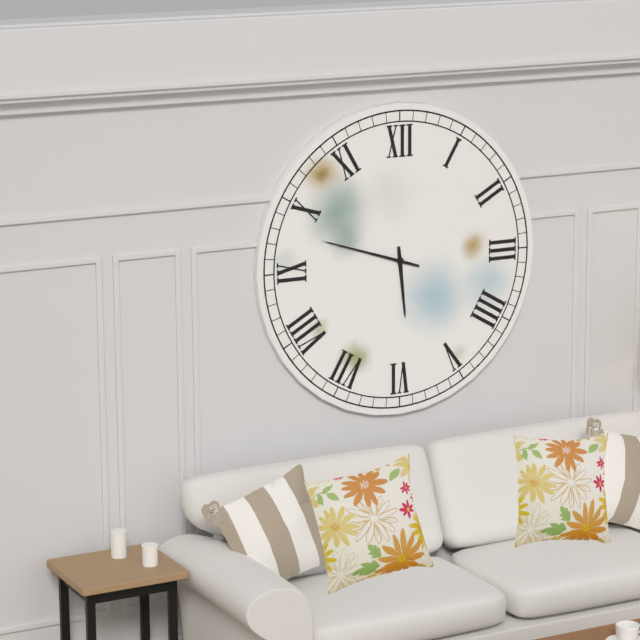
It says 5 h 48 min
